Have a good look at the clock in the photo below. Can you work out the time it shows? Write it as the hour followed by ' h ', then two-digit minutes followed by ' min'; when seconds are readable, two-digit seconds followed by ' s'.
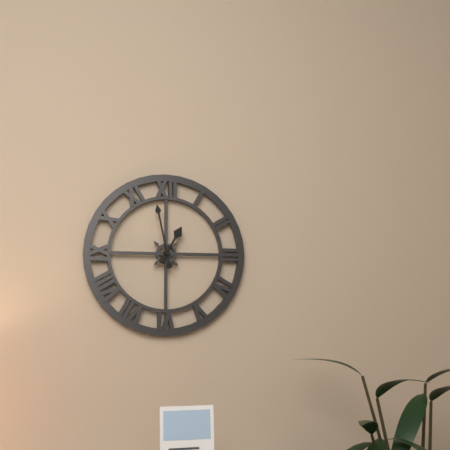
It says 12 h 58 min
